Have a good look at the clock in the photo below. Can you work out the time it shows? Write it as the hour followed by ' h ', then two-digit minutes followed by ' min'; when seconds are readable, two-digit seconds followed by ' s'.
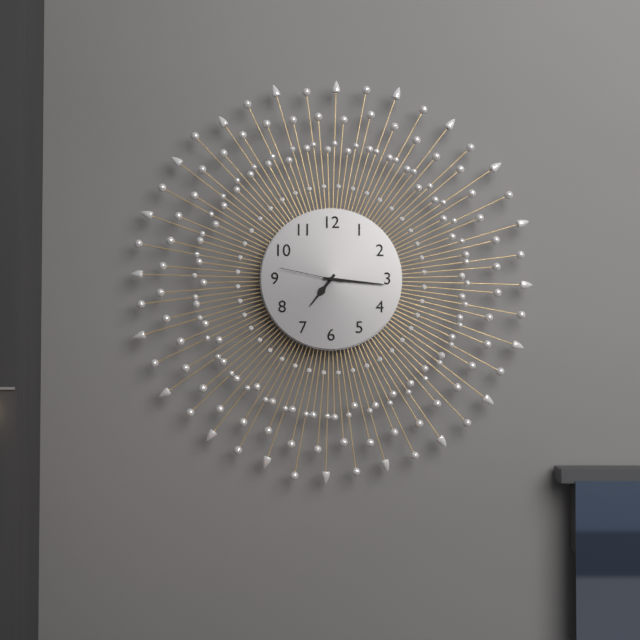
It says 7 h 16 min 47 s
